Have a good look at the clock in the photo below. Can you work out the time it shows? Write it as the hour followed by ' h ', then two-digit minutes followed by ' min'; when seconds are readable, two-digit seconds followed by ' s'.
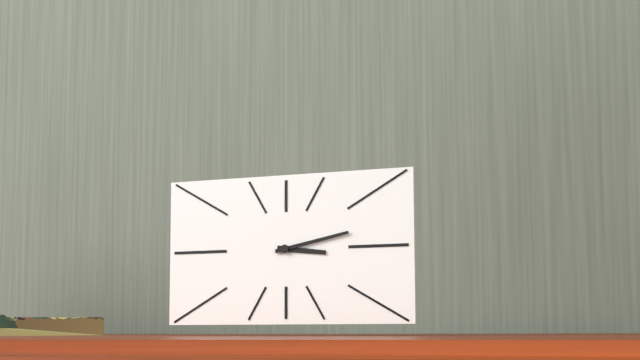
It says 3 h 13 min
